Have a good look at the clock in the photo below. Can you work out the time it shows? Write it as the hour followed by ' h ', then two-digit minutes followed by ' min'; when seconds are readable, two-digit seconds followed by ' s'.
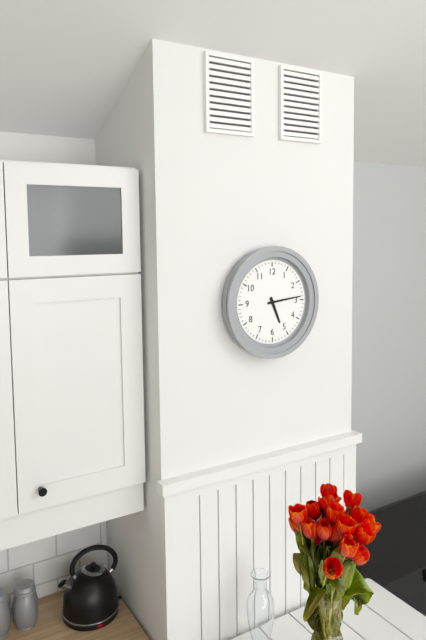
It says 5 h 14 min
